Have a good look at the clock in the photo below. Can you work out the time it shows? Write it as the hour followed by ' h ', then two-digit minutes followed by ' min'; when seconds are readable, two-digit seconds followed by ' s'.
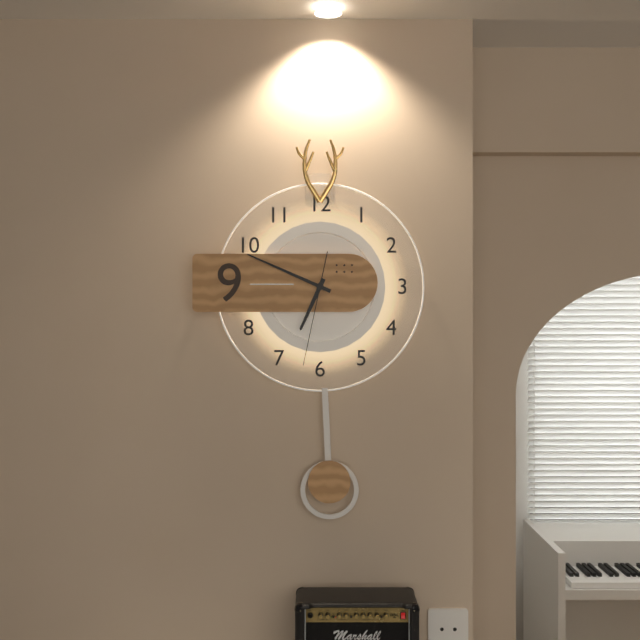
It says 6 h 49 min 32 s
